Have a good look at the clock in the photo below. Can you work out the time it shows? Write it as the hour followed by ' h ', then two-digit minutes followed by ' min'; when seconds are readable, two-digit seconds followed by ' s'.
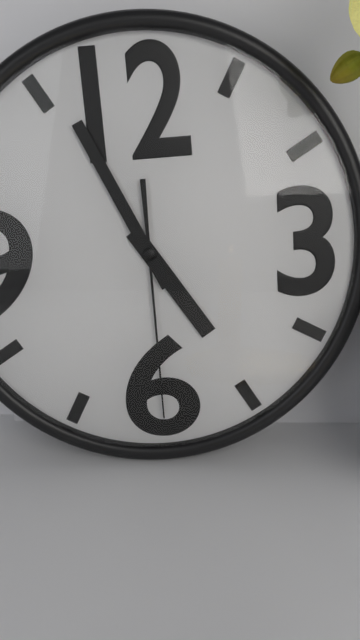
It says 4 h 56 min 30 s
